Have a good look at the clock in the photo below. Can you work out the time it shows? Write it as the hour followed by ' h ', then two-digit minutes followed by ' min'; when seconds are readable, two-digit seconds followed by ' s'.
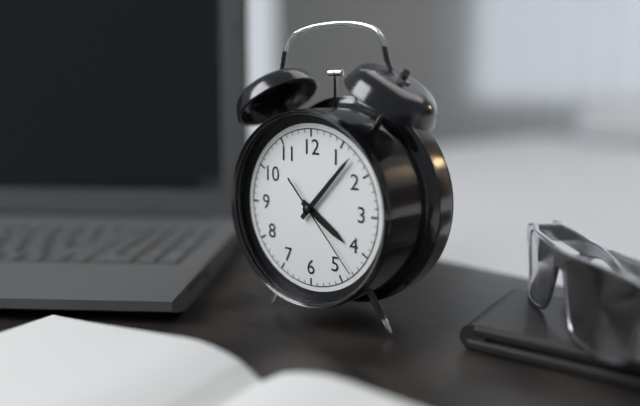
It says 4 h 07 min 23 s
